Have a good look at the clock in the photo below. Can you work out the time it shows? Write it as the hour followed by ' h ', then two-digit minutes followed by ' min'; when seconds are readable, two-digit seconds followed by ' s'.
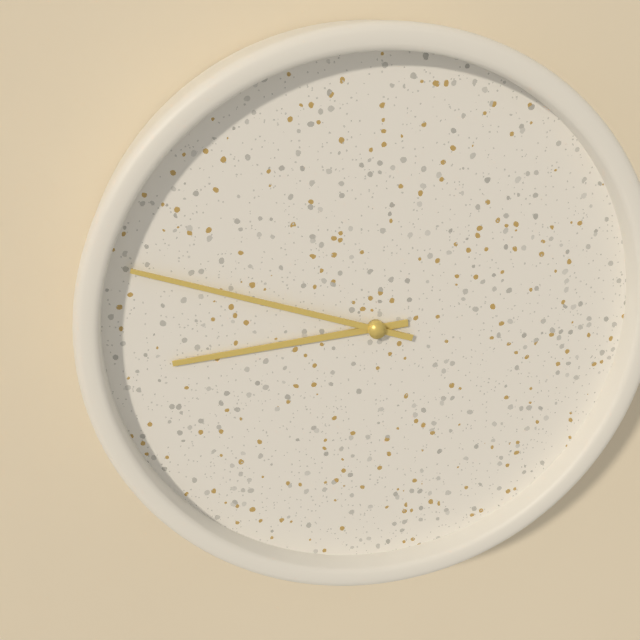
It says 8 h 48 min
